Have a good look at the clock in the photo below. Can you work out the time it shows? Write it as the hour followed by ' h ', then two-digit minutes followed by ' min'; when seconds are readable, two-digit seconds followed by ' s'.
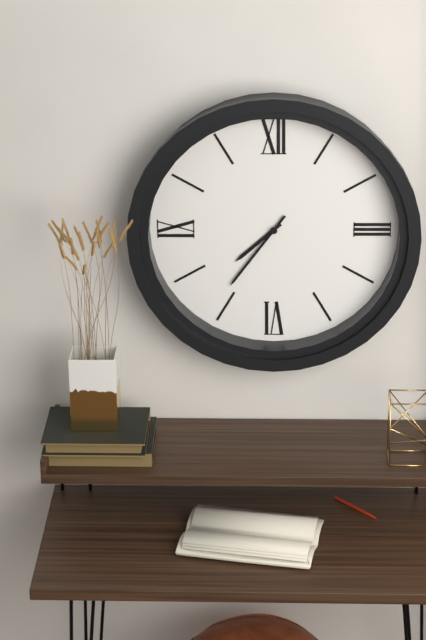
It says 7 h 36 min
